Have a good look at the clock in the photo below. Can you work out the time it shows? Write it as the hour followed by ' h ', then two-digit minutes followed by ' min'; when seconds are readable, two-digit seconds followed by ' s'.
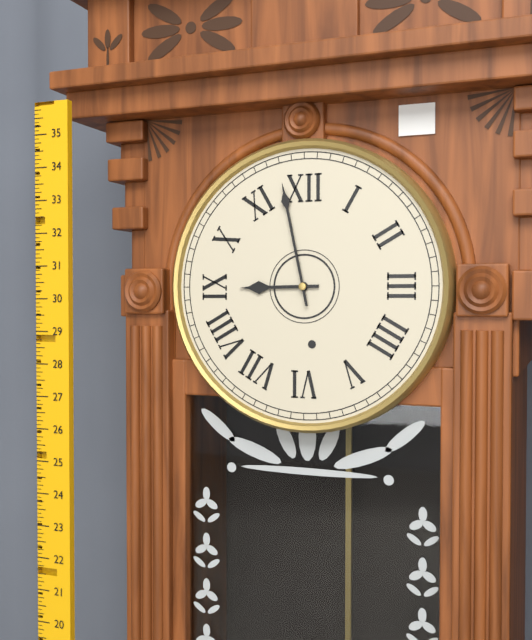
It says 8 h 58 min
